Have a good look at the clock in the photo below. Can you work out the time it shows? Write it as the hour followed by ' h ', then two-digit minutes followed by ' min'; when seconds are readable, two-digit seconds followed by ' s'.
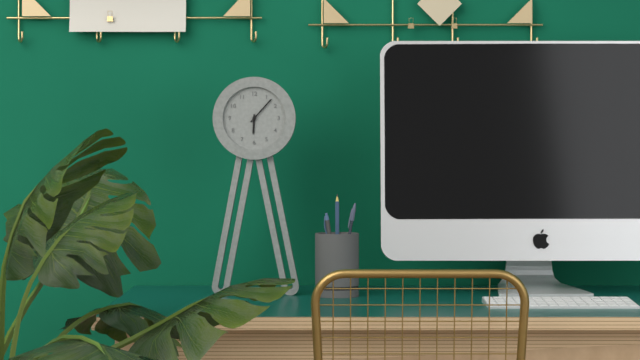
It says 6 h 07 min
